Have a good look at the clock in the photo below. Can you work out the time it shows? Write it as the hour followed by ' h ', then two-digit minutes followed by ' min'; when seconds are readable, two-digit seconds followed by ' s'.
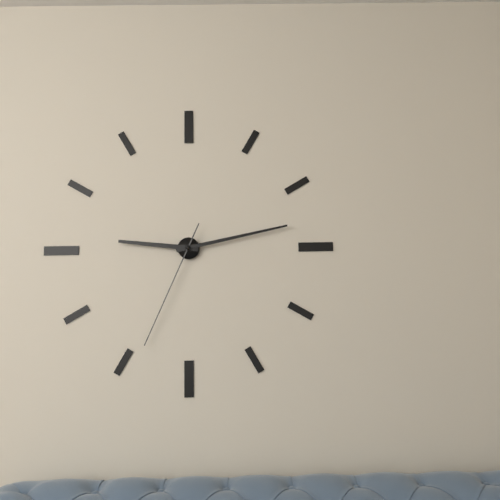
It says 9 h 13 min 34 s
